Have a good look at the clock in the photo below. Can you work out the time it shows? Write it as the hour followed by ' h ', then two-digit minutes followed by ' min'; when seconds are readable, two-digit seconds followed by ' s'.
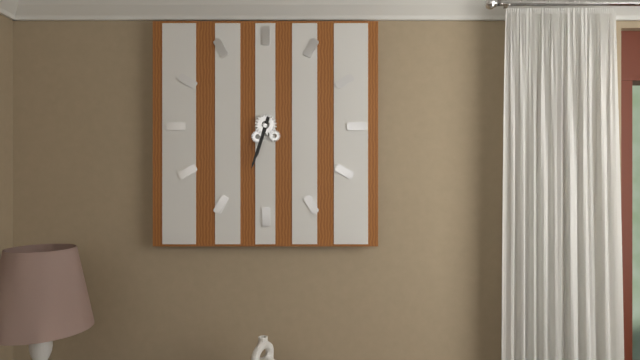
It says 6 h 33 min
